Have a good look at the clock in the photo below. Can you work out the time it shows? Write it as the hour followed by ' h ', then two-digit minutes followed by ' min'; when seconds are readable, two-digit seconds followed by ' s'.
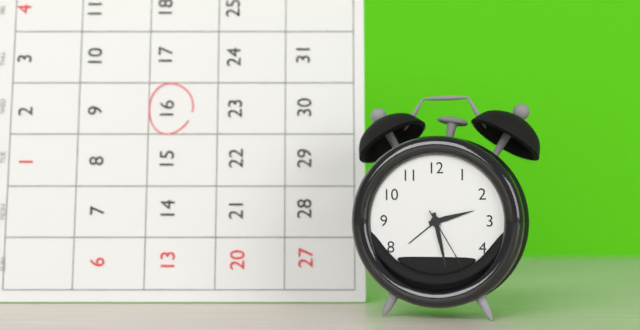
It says 2 h 28 min 25 s
